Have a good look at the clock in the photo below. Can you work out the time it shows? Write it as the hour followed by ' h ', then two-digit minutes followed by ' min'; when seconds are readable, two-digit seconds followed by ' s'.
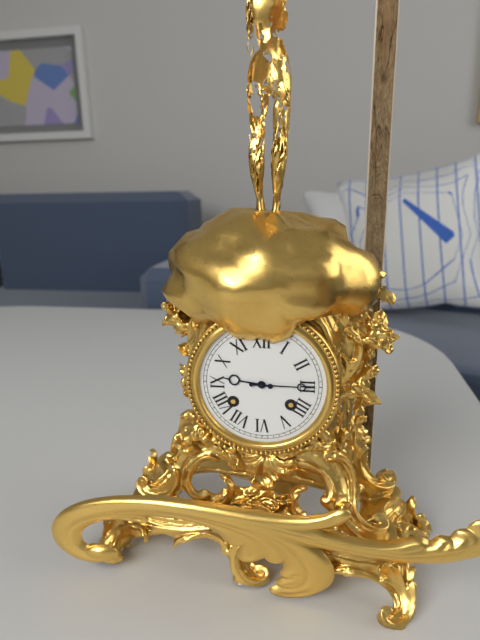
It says 9 h 15 min
